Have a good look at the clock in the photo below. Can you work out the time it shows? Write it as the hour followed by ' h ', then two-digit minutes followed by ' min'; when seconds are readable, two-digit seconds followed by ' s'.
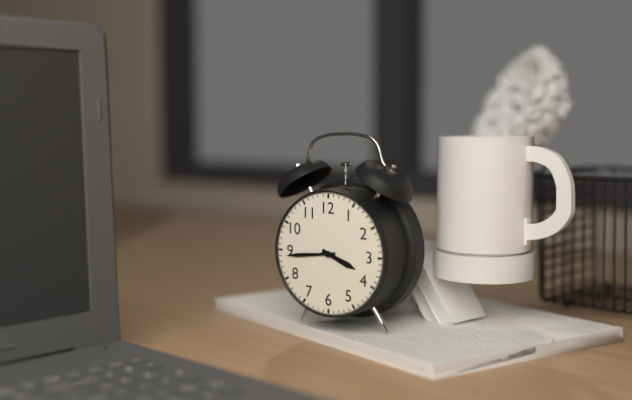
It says 3 h 44 min
